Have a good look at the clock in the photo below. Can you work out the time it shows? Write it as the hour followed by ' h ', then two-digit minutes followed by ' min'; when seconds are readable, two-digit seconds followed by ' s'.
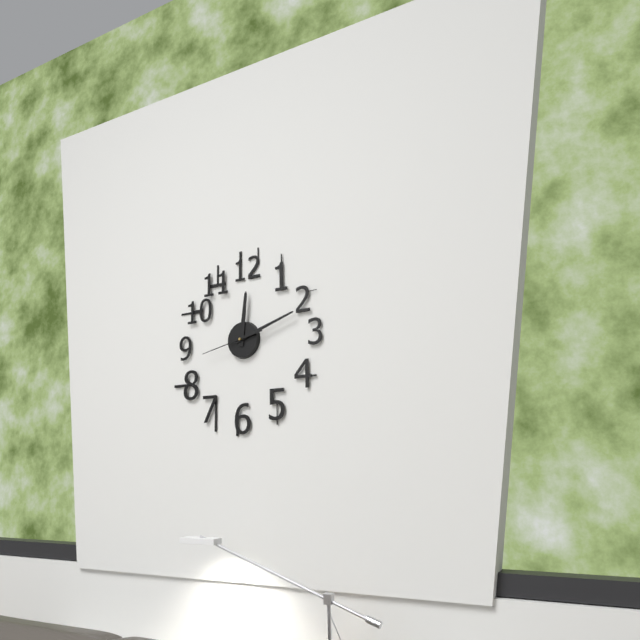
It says 12 h 12 min 43 s
